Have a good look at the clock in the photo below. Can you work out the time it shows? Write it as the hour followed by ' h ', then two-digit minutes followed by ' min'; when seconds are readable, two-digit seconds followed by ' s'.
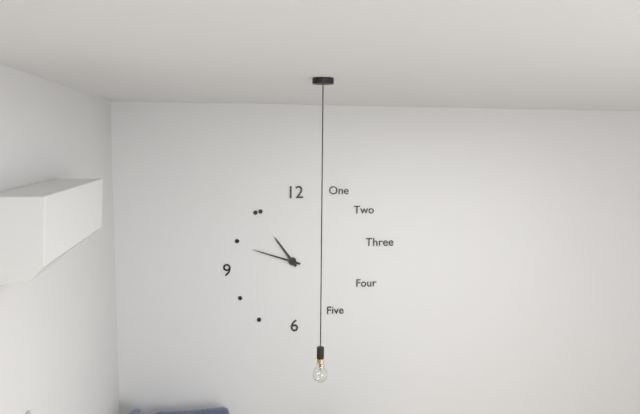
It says 10 h 48 min
